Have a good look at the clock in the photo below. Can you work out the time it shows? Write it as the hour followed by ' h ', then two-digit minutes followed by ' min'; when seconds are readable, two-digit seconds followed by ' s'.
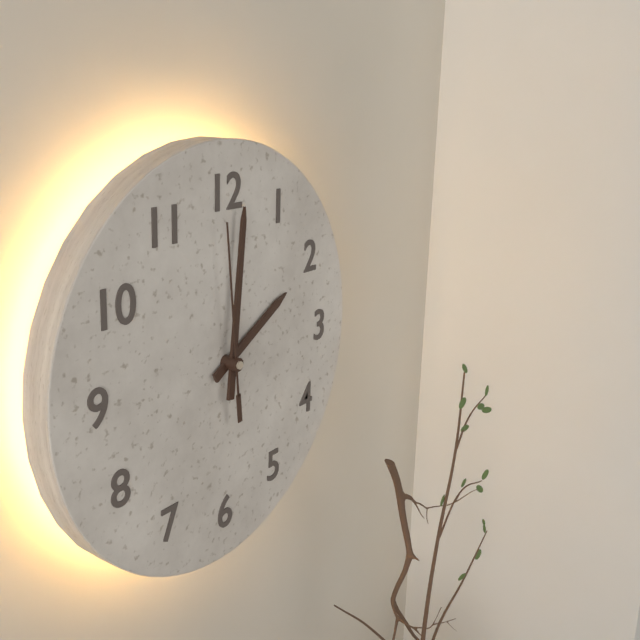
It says 2 h 01 min 59 s
